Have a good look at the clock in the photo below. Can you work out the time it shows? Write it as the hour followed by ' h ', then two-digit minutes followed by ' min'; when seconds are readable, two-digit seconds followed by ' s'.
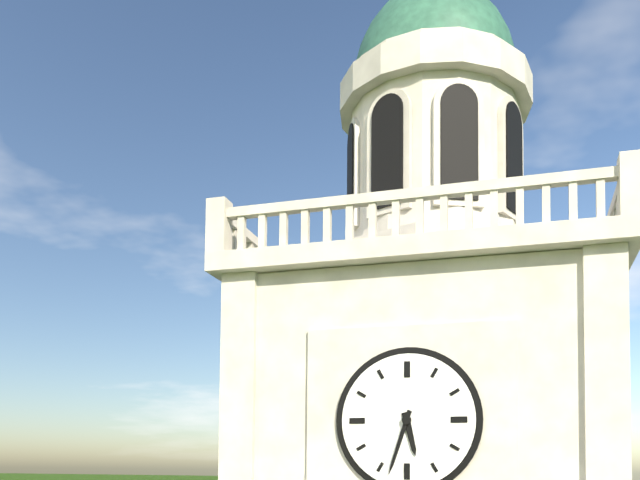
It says 5 h 33 min
